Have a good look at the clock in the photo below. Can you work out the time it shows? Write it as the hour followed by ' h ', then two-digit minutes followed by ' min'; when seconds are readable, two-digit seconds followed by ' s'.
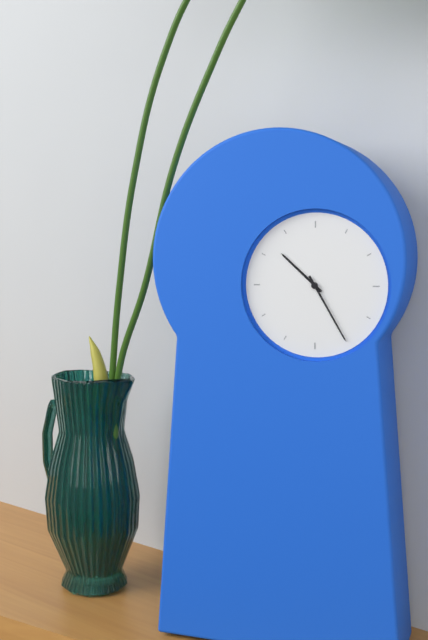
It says 10 h 25 min
